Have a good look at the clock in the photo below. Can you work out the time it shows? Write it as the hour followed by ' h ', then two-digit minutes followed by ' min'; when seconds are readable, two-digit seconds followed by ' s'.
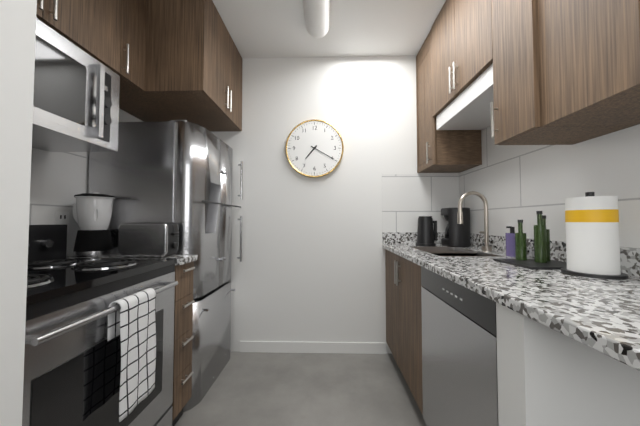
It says 7 h 20 min
